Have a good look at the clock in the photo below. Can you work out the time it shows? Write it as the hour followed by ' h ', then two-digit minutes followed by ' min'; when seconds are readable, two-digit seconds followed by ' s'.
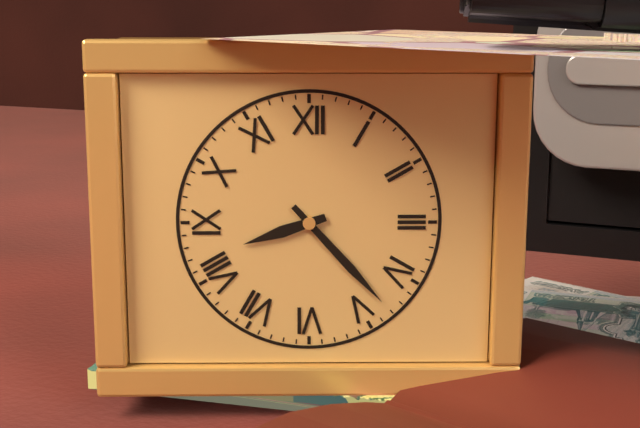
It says 8 h 23 min
